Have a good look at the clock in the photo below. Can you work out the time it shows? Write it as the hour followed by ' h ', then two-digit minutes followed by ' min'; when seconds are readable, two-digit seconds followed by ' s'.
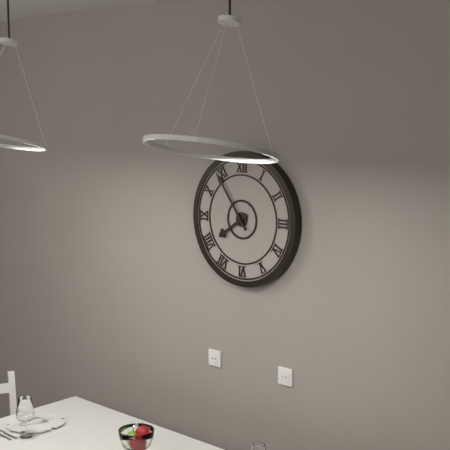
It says 7 h 54 min
